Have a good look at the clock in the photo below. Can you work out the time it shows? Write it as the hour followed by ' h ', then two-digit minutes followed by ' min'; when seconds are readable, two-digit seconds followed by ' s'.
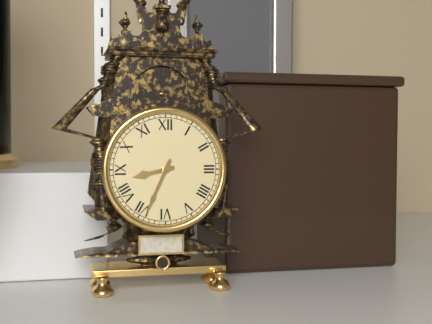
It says 8 h 34 min
